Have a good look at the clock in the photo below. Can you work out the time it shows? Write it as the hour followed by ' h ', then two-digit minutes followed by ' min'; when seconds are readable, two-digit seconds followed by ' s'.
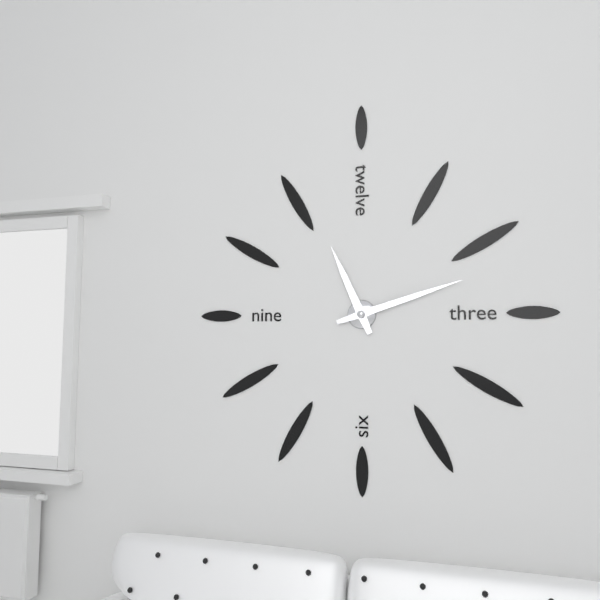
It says 11 h 12 min
